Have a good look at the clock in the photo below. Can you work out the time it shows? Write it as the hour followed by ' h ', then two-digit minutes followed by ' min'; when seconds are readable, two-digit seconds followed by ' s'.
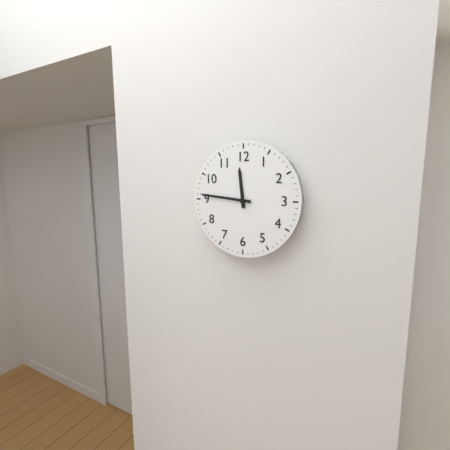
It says 11 h 46 min
